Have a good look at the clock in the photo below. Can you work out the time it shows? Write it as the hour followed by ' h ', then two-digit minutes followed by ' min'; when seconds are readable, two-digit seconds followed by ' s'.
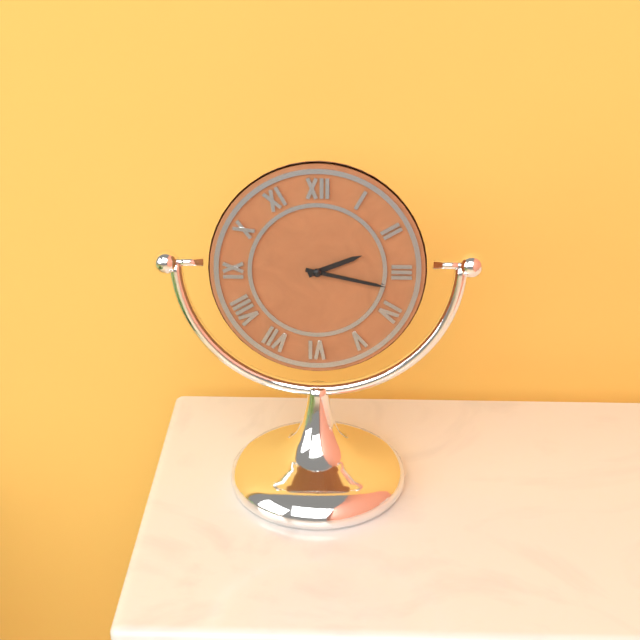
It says 2 h 17 min
